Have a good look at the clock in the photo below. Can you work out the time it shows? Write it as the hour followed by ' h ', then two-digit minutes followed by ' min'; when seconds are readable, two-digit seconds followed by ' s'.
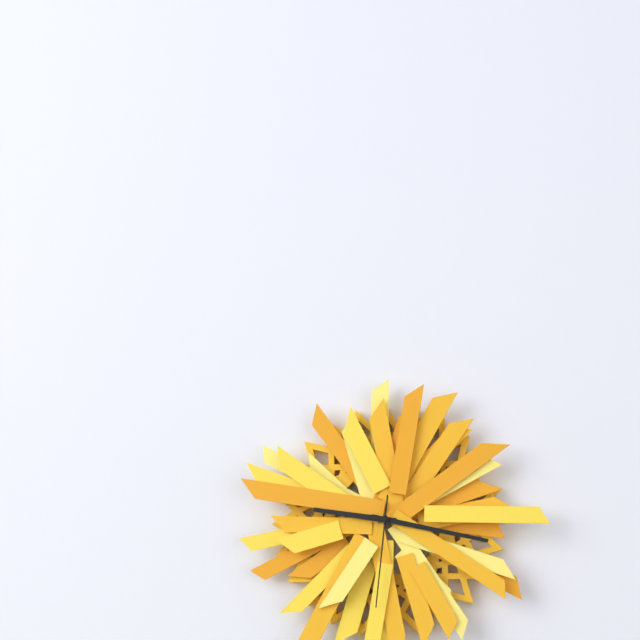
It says 9 h 17 min 31 s
